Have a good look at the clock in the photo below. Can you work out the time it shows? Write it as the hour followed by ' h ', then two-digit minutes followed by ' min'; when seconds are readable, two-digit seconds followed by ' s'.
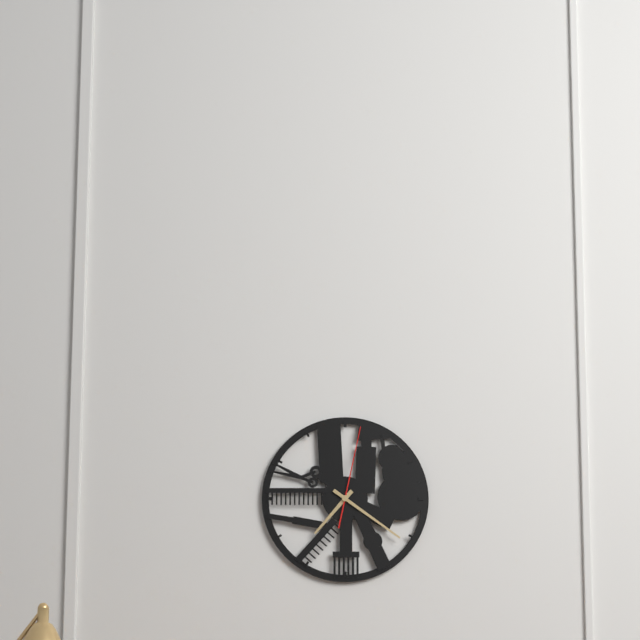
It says 7 h 21 min 02 s
